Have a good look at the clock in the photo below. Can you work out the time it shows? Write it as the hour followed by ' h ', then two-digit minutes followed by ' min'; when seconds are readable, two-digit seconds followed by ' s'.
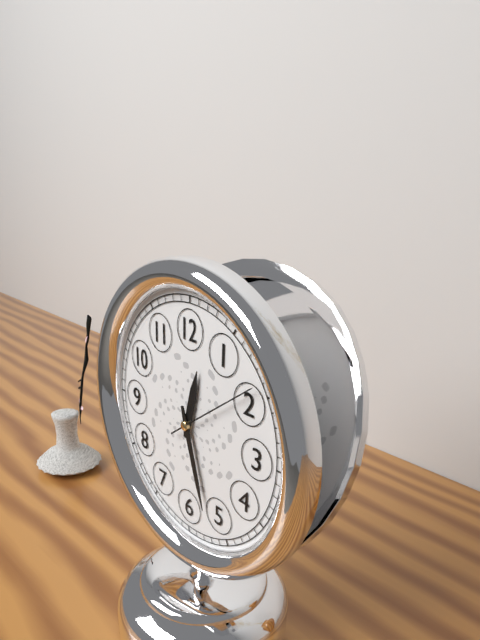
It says 12 h 27 min 09 s
